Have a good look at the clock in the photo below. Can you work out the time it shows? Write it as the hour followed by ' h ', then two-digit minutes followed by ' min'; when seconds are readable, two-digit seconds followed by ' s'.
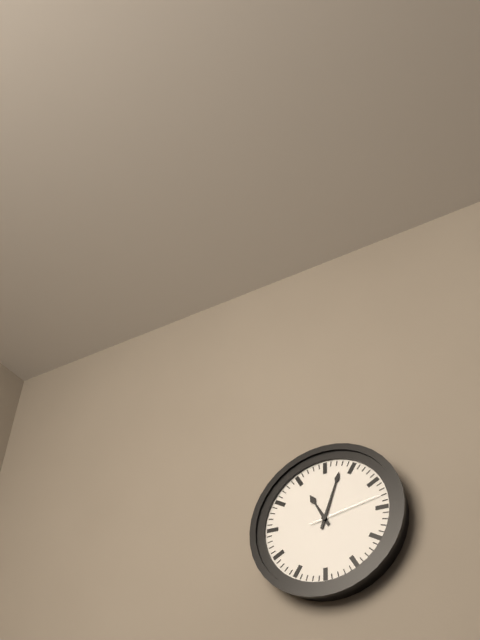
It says 11 h 03 min 13 s
